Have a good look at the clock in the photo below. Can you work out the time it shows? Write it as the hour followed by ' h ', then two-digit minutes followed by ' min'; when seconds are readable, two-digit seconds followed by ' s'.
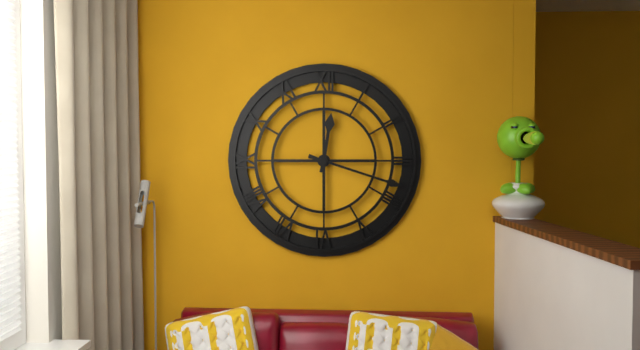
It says 12 h 18 min
